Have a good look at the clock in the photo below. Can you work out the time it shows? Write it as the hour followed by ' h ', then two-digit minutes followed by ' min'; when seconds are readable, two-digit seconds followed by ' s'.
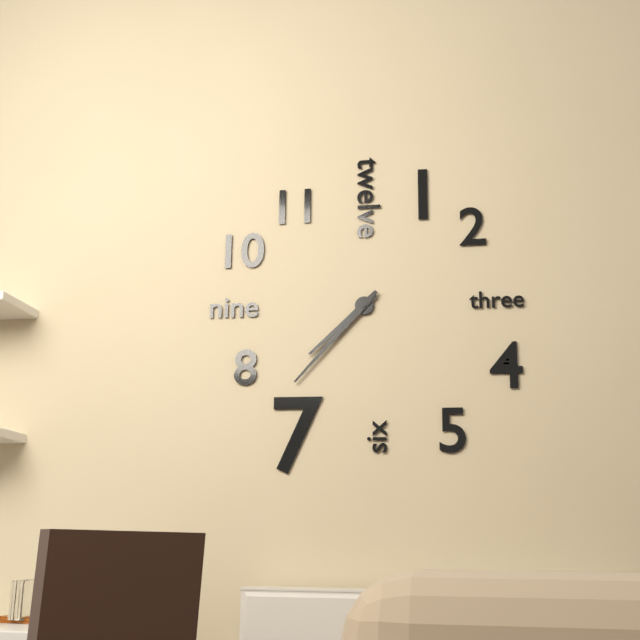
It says 7 h 37 min
